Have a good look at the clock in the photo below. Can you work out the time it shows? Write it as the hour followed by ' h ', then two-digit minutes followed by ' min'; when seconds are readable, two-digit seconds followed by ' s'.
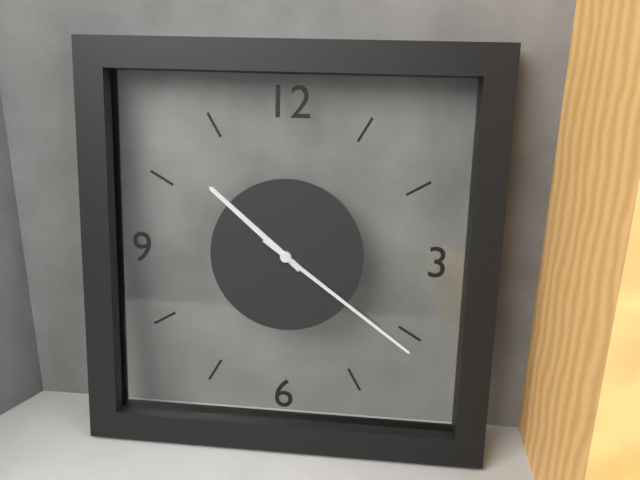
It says 10 h 21 min
